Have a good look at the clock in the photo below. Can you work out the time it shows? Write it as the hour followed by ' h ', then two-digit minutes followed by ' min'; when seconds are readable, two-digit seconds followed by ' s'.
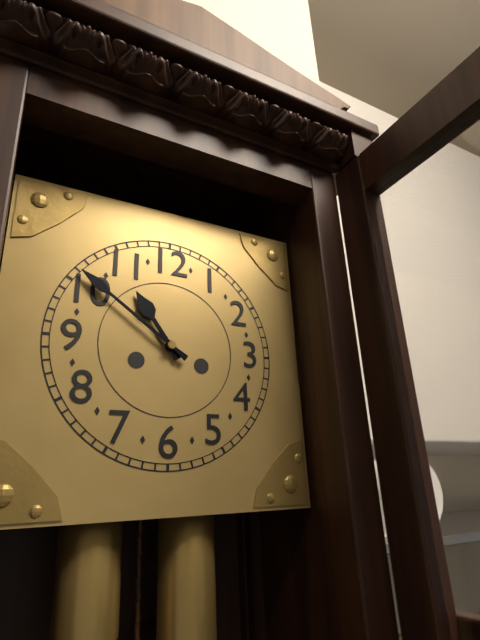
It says 10 h 51 min
